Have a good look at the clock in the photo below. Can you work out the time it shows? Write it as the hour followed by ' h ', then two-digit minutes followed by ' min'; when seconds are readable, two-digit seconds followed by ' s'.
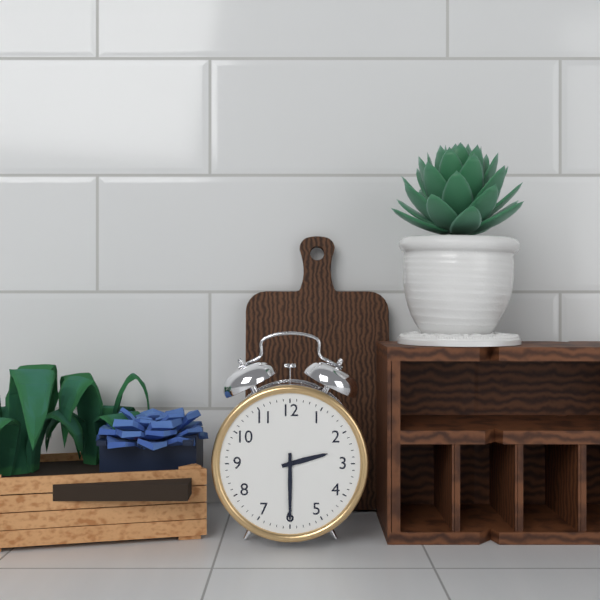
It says 2 h 30 min
